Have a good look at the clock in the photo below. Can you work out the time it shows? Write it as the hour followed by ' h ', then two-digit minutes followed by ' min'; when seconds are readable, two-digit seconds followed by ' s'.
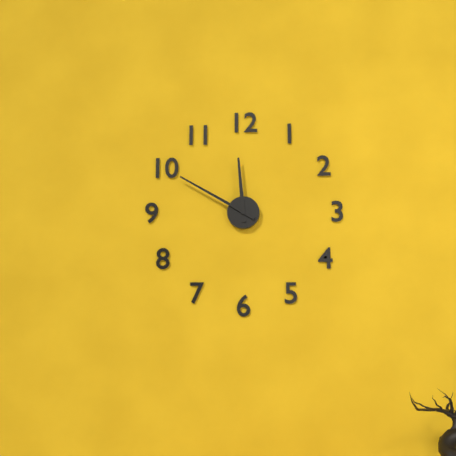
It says 11 h 50 min
